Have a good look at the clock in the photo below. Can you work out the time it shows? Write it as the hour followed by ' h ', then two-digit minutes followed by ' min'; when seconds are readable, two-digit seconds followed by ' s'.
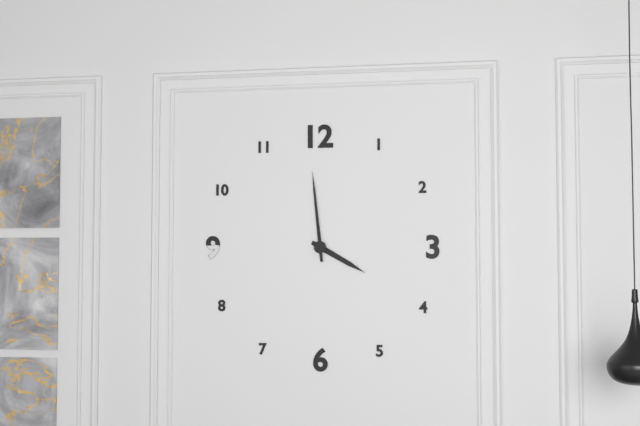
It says 3 h 59 min
